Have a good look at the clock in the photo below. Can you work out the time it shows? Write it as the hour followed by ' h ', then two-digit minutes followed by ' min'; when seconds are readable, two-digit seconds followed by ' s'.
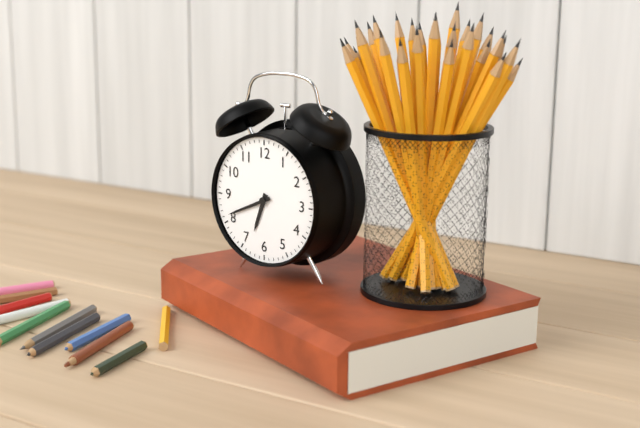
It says 6 h 41 min
